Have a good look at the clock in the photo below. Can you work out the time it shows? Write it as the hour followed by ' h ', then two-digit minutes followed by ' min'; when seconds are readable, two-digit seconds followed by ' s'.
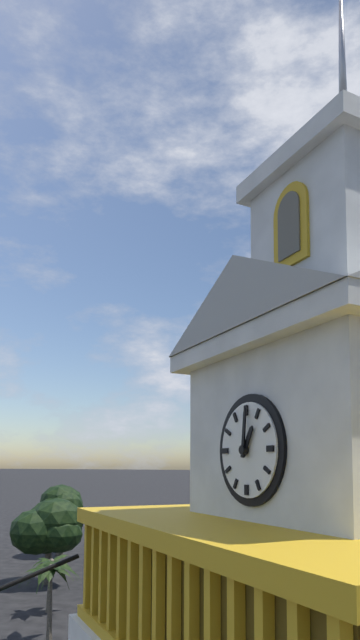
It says 1 h 01 min
